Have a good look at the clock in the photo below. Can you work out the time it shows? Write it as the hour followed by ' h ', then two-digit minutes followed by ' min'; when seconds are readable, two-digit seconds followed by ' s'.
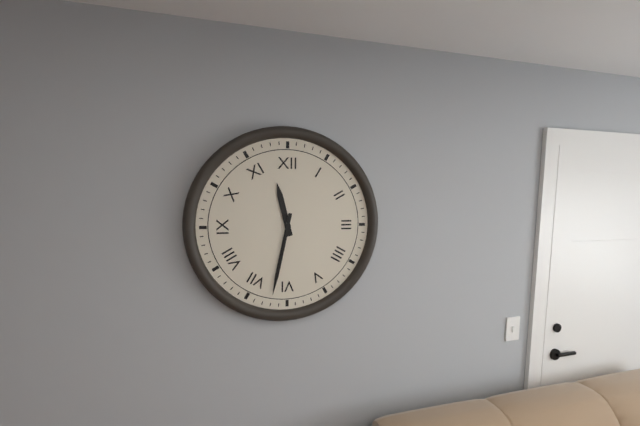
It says 11 h 32 min
